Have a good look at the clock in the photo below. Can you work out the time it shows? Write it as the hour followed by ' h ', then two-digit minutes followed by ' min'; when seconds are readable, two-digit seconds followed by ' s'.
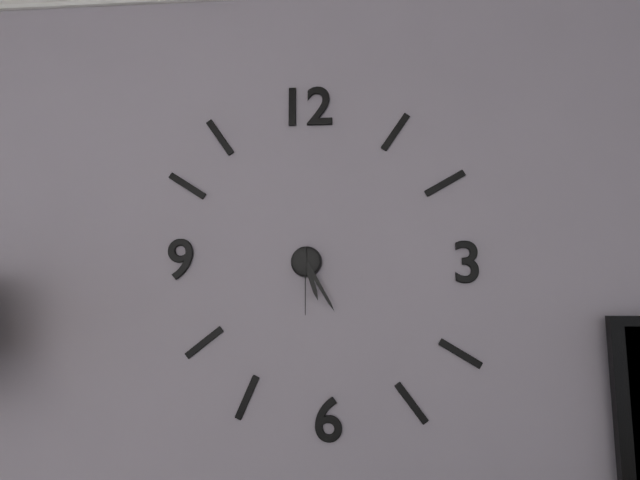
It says 5 h 25 min 30 s
